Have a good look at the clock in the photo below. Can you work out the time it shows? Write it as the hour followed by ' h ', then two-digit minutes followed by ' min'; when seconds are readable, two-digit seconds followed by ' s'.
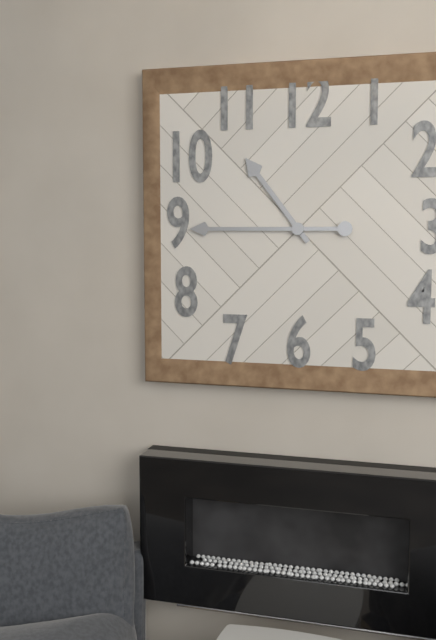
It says 10 h 45 min
